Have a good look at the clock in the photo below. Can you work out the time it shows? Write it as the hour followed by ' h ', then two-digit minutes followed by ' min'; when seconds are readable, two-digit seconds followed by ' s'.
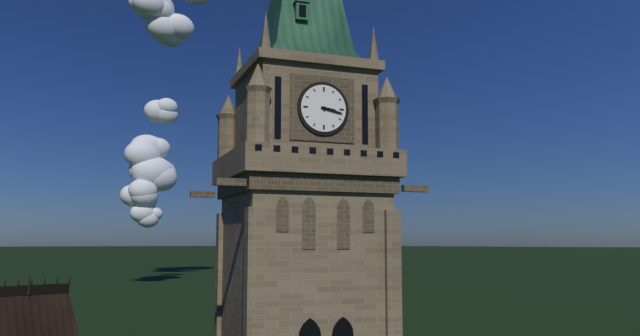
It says 3 h 17 min
